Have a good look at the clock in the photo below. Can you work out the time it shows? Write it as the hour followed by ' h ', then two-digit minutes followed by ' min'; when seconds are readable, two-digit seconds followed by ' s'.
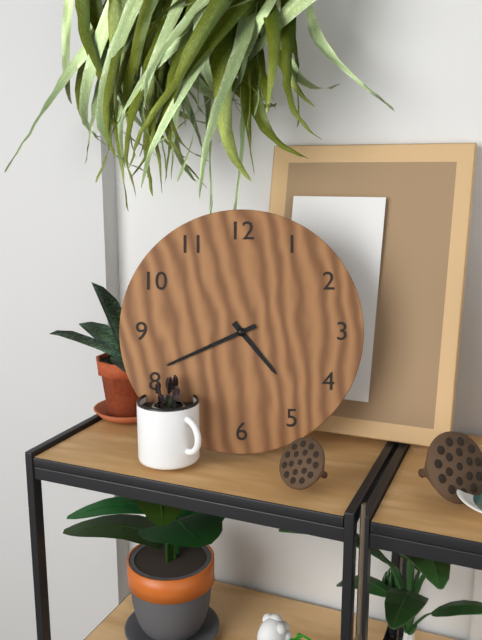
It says 4 h 41 min
